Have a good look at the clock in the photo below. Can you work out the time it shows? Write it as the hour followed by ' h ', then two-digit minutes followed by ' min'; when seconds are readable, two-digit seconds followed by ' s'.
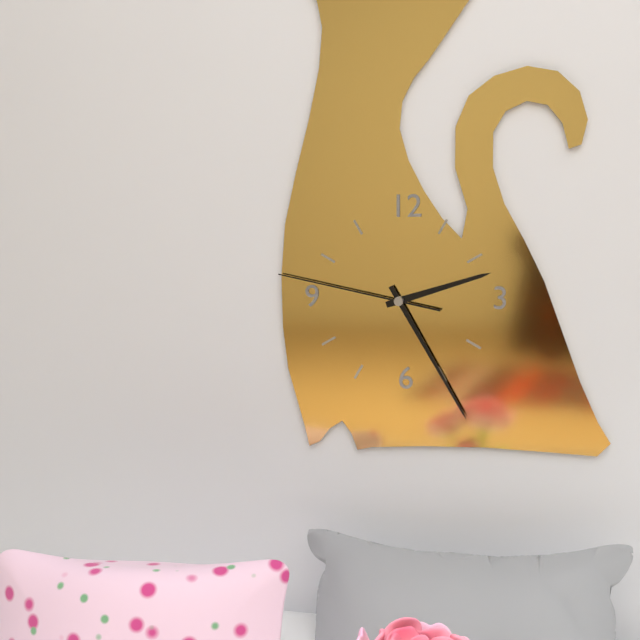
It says 2 h 25 min 47 s
